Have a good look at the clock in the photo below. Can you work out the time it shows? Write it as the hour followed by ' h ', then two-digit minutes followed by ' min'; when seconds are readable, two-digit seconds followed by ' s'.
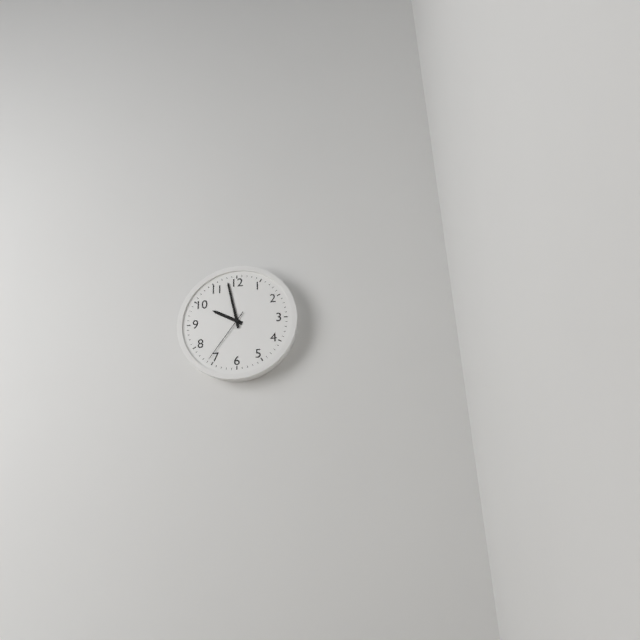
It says 9 h 58 min 36 s
